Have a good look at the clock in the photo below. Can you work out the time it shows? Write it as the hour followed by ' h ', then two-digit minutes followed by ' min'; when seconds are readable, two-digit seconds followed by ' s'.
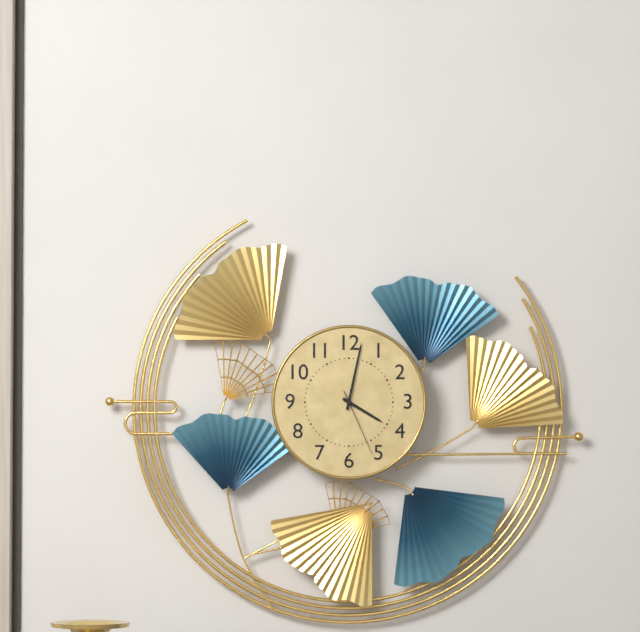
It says 4 h 02 min 26 s
